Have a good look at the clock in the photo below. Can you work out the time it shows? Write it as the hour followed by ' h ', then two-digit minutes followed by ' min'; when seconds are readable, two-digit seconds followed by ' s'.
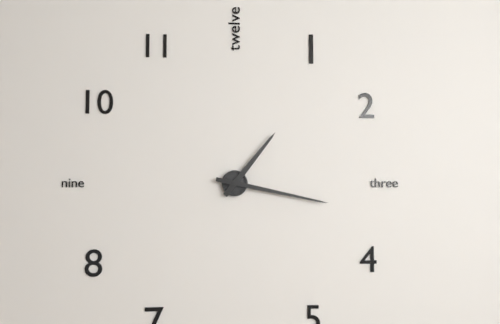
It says 1 h 17 min
